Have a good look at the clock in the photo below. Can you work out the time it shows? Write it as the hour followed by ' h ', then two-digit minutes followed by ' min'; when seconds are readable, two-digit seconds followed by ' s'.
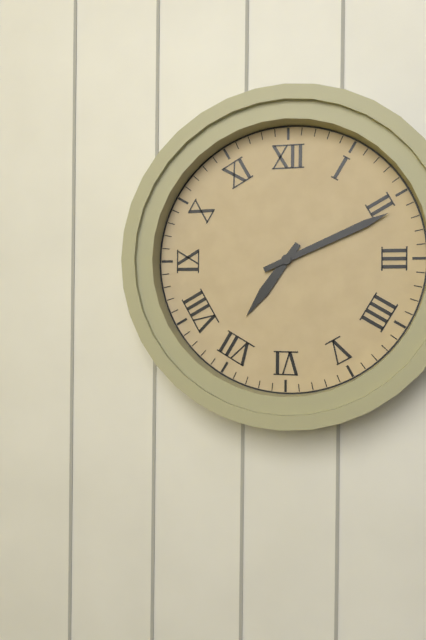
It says 7 h 11 min
